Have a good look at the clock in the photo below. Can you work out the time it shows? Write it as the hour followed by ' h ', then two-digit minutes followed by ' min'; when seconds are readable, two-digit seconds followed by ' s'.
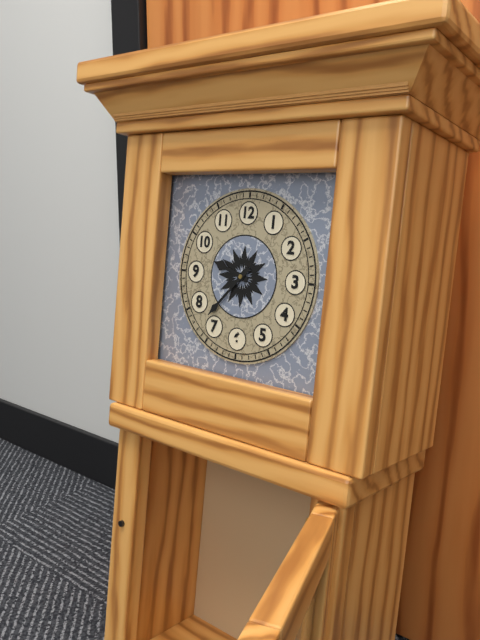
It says 9 h 37 min
